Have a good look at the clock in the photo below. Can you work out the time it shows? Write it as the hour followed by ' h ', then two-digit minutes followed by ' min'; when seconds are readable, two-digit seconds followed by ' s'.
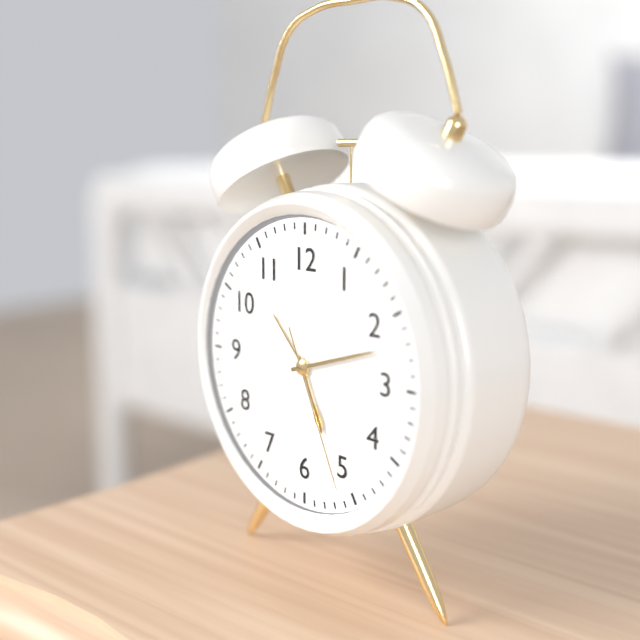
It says 5 h 12 min 26 s
